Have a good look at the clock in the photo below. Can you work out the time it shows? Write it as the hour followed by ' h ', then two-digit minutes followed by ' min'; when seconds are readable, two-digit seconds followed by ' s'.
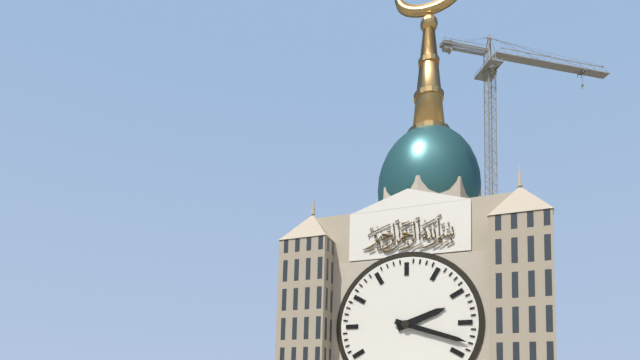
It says 2 h 18 min
